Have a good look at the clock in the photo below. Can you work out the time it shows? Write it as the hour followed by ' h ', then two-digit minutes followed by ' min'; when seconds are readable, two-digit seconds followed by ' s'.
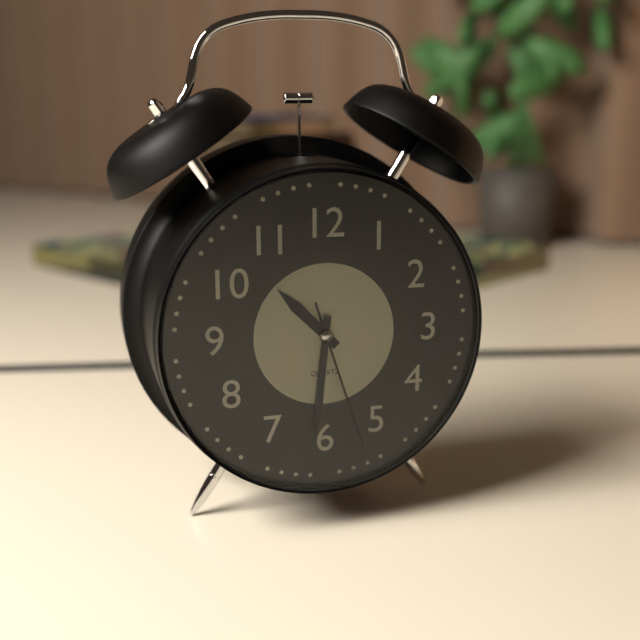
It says 10 h 31 min 27 s
